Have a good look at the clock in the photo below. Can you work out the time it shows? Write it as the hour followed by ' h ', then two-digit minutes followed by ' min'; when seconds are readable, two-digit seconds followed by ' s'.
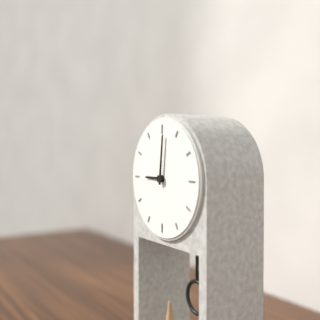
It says 9 h 01 min
